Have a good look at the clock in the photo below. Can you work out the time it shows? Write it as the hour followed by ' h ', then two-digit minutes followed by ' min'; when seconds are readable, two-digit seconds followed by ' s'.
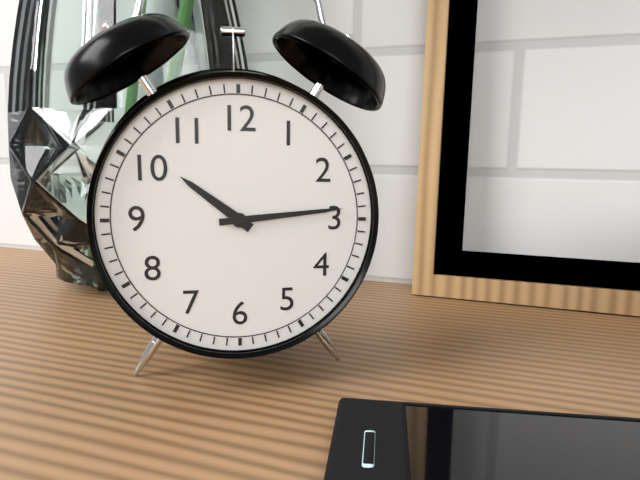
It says 10 h 14 min
